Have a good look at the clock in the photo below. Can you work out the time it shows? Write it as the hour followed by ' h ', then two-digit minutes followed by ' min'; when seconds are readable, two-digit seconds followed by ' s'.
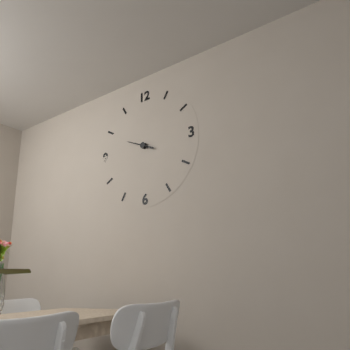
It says 3 h 49 min
